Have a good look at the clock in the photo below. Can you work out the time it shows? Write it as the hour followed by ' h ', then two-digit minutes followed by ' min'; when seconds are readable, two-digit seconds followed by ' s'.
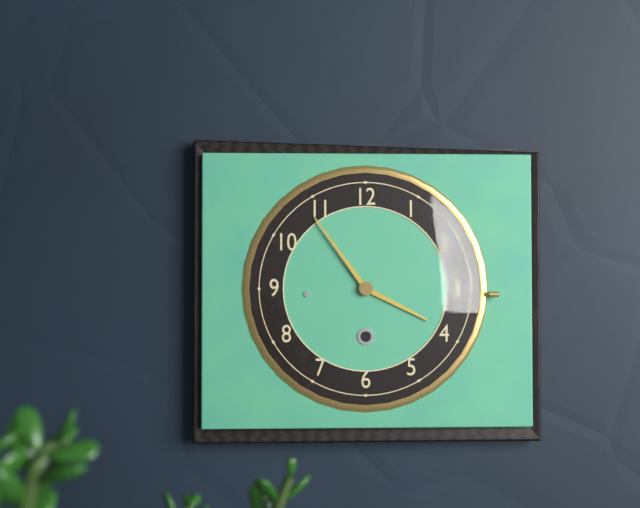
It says 3 h 54 min
